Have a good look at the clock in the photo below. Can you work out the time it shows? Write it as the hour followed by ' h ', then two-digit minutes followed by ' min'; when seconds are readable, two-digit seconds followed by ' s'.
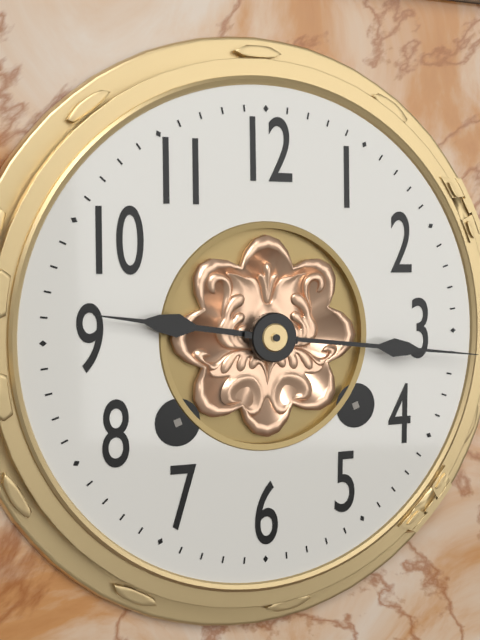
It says 9 h 16 min
